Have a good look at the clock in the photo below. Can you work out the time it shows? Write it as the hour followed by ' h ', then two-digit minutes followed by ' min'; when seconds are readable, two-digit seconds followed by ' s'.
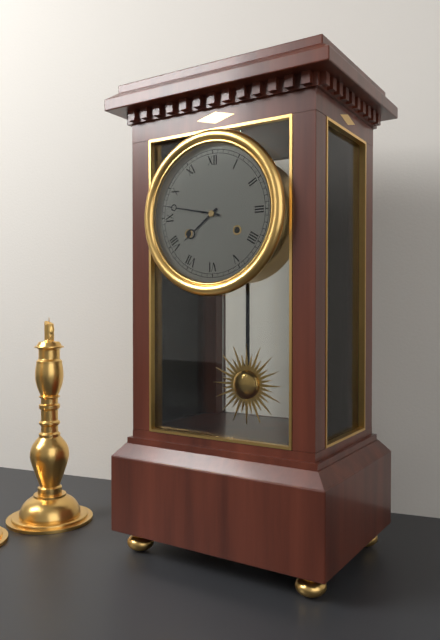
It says 7 h 47 min
